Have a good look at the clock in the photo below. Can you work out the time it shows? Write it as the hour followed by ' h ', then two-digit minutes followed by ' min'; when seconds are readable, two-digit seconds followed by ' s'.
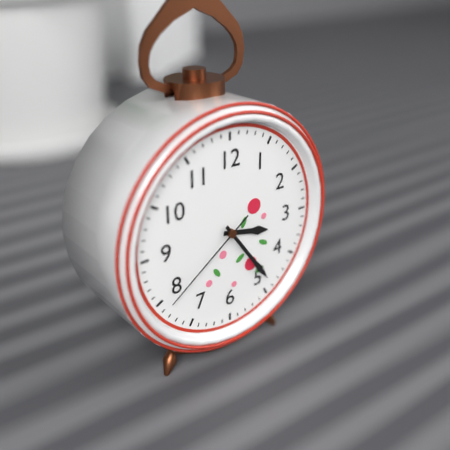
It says 3 h 24 min 39 s
